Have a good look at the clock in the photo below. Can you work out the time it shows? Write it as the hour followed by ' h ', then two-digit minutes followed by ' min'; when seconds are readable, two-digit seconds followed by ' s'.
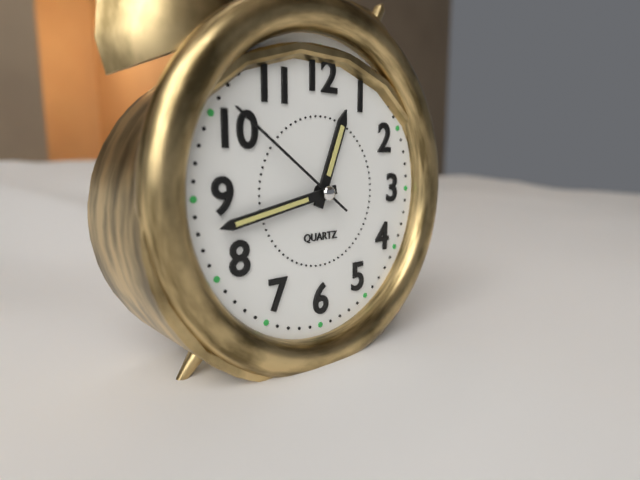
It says 12 h 43 min 51 s
